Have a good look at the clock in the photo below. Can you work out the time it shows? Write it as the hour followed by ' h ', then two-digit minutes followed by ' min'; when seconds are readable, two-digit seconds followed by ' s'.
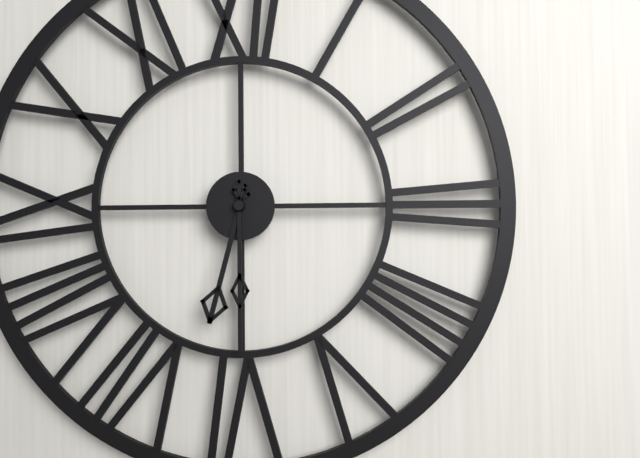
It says 6 h 30 min
